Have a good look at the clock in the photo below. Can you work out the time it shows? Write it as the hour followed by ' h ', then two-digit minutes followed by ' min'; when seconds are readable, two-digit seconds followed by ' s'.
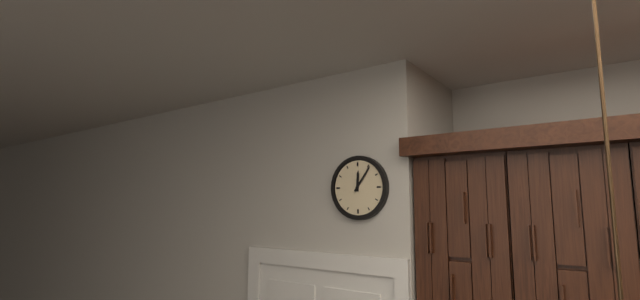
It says 12 h 06 min
